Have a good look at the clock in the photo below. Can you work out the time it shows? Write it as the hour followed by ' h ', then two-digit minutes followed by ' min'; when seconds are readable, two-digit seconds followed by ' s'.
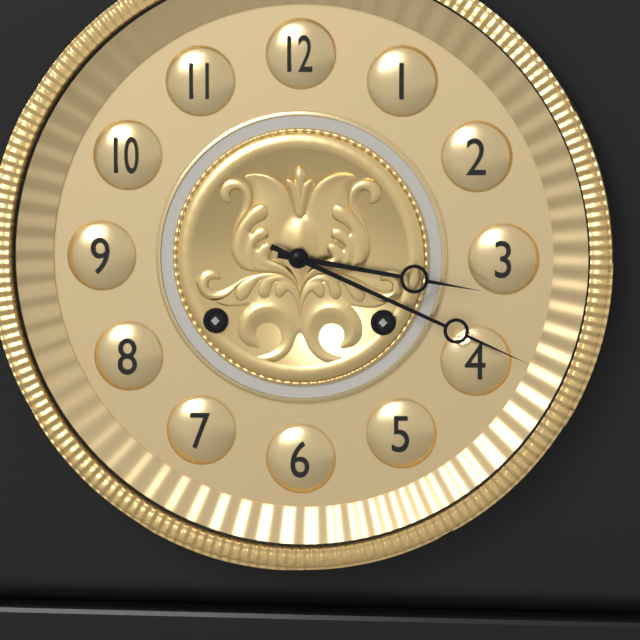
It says 3 h 19 min
